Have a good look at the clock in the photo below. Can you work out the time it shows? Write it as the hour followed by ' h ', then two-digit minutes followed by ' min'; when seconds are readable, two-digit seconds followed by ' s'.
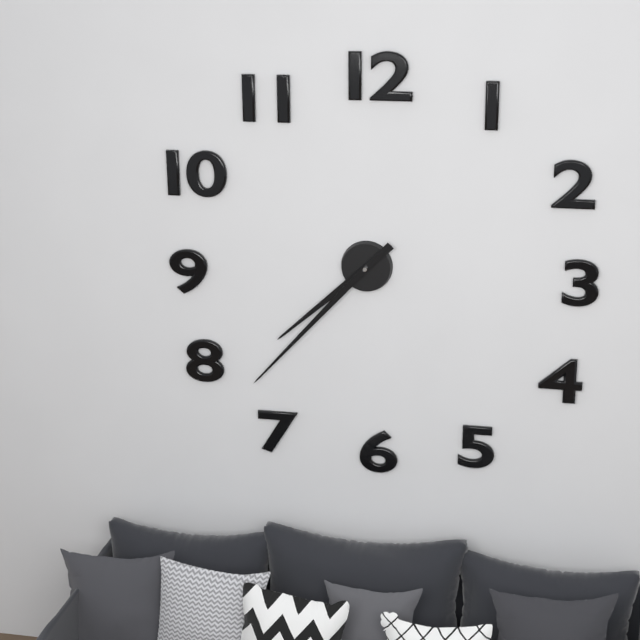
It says 7 h 37 min
